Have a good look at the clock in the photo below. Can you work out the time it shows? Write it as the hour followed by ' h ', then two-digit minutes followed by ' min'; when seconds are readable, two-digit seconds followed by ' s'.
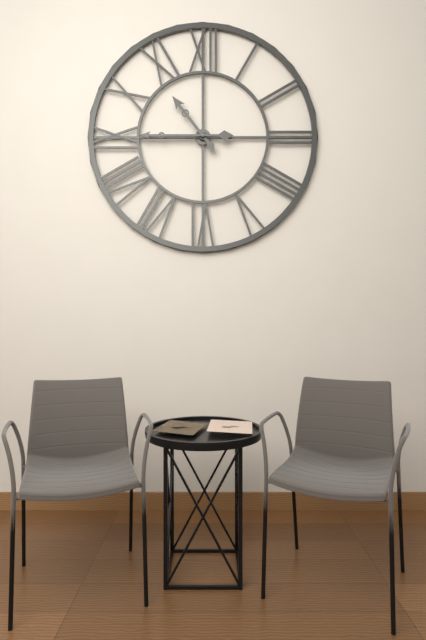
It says 10 h 45 min
